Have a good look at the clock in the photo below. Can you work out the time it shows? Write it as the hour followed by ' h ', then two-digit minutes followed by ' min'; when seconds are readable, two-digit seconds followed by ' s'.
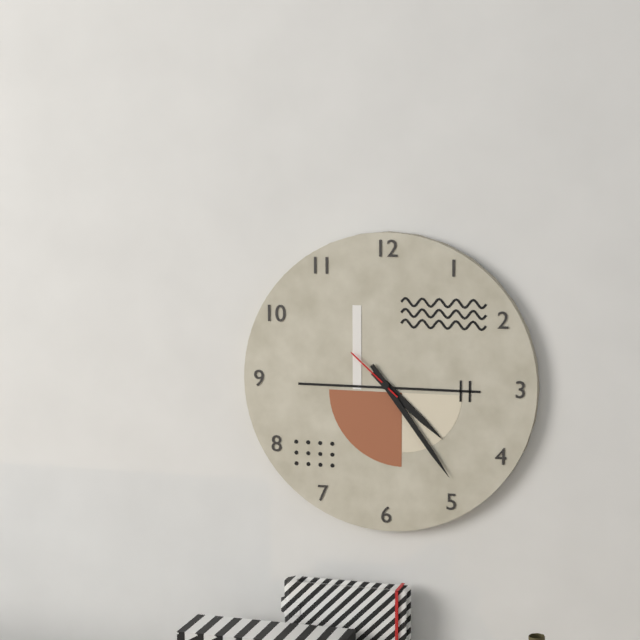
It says 4 h 24 min 52 s
